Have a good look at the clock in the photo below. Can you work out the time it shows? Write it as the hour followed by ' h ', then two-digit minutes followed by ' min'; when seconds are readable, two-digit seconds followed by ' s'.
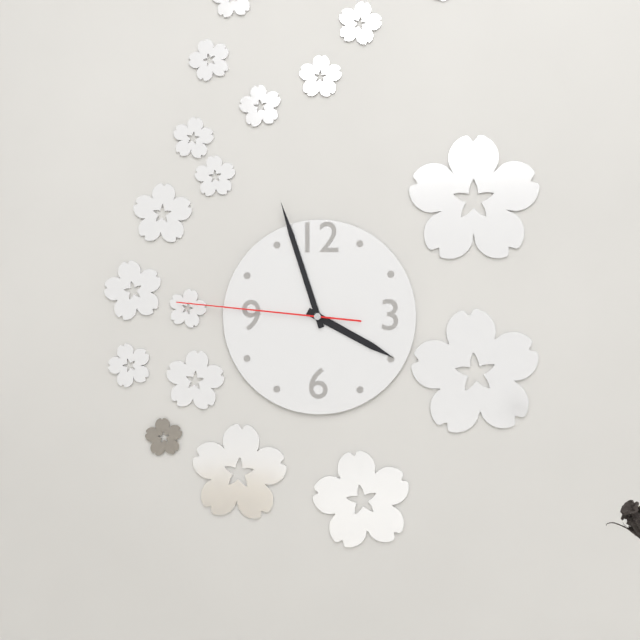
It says 3 h 57 min 46 s
